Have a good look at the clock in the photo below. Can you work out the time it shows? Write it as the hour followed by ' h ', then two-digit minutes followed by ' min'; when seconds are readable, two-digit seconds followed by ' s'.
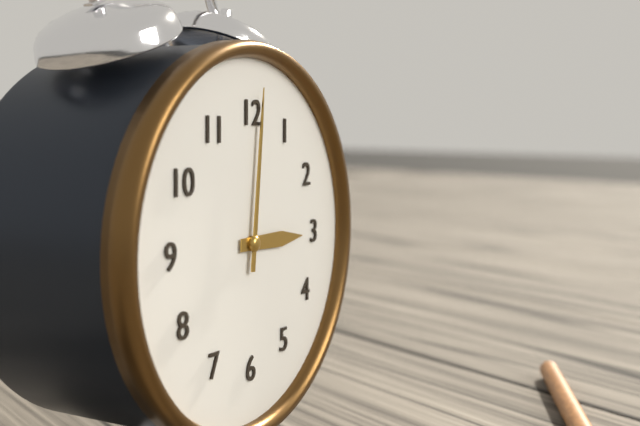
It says 3 h 01 min
